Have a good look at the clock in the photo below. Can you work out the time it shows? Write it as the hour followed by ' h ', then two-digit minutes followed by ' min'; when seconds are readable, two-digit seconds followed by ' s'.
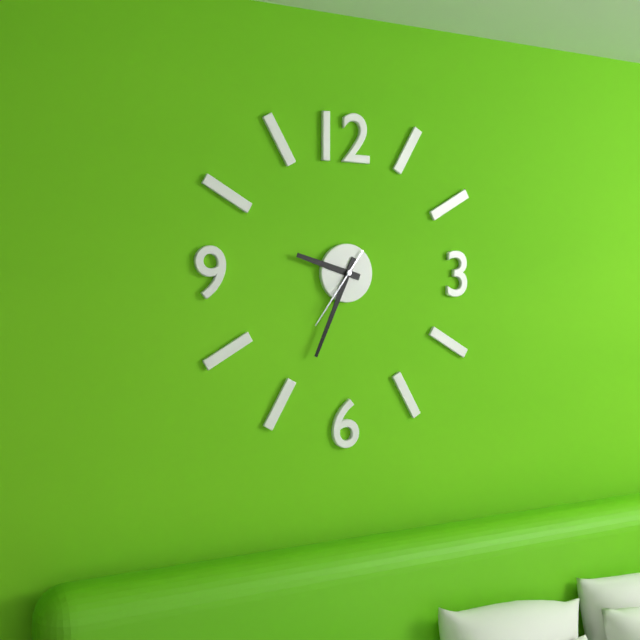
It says 9 h 34 min 36 s
